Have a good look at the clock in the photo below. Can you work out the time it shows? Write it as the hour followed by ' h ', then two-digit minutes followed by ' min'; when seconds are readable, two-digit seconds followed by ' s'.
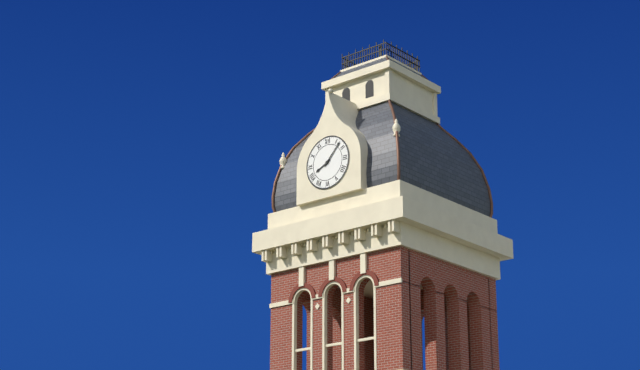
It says 8 h 07 min
